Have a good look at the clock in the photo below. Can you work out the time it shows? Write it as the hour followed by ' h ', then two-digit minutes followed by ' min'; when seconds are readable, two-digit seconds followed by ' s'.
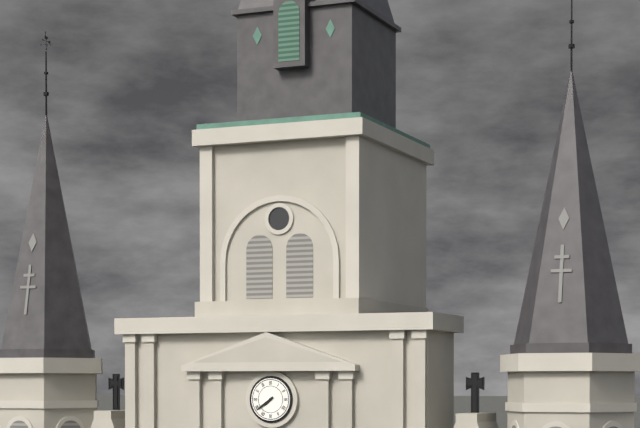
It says 7 h 39 min
